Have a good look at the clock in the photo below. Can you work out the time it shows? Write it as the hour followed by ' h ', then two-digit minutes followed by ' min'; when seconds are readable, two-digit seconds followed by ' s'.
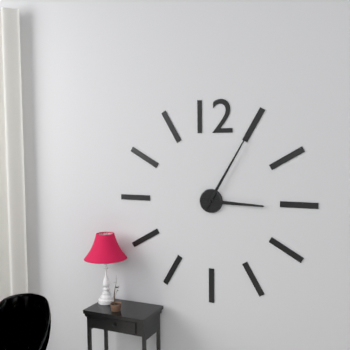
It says 3 h 05 min
